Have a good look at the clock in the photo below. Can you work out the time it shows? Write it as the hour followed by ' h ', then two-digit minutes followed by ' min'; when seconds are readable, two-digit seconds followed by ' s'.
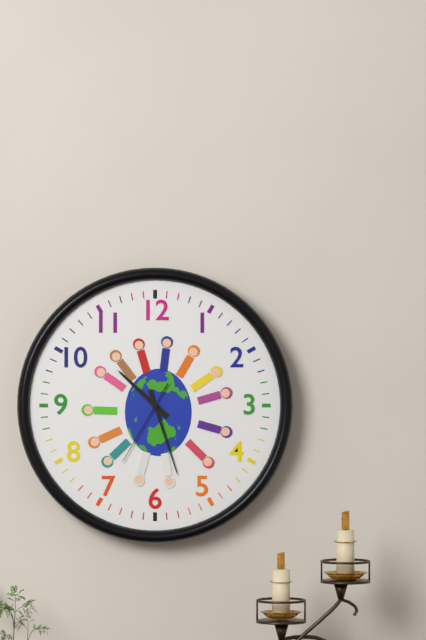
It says 10 h 27 min 35 s
